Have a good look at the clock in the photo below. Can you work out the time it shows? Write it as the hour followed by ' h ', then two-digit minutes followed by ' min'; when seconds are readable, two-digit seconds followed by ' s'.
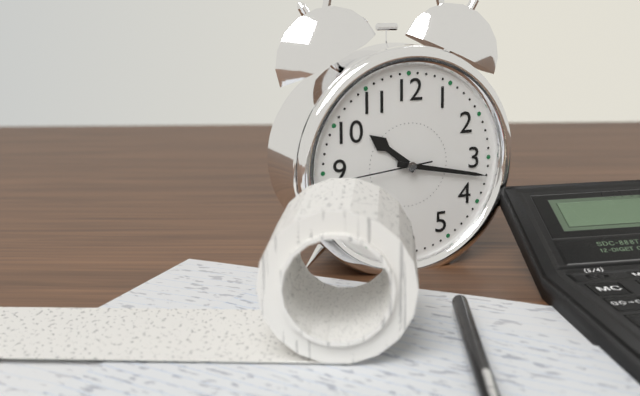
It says 10 h 17 min
